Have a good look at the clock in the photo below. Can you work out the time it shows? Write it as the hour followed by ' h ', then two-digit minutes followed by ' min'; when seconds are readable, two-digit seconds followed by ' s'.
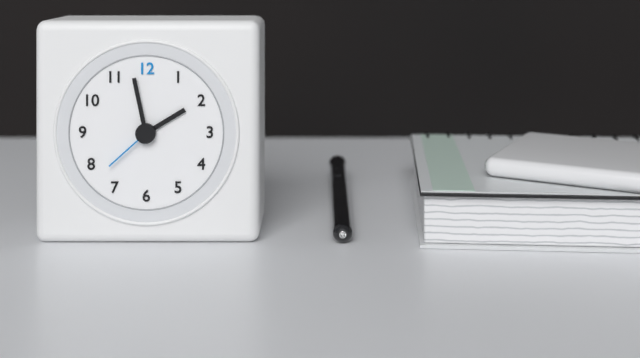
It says 1 h 58 min 38 s
